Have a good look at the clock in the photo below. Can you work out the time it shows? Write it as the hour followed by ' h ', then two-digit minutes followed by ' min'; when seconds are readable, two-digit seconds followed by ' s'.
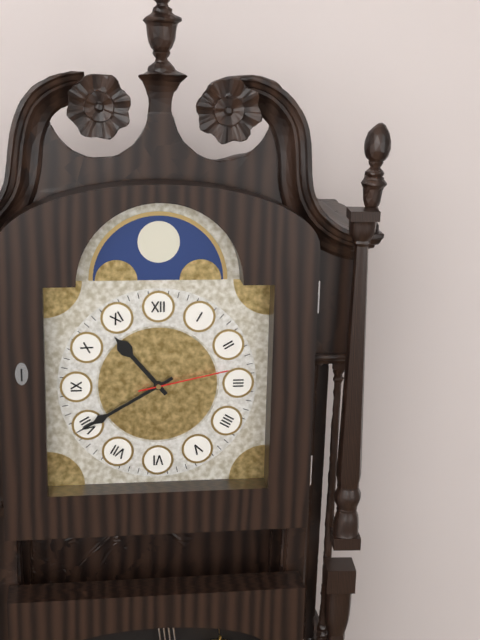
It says 10 h 40 min 13 s
